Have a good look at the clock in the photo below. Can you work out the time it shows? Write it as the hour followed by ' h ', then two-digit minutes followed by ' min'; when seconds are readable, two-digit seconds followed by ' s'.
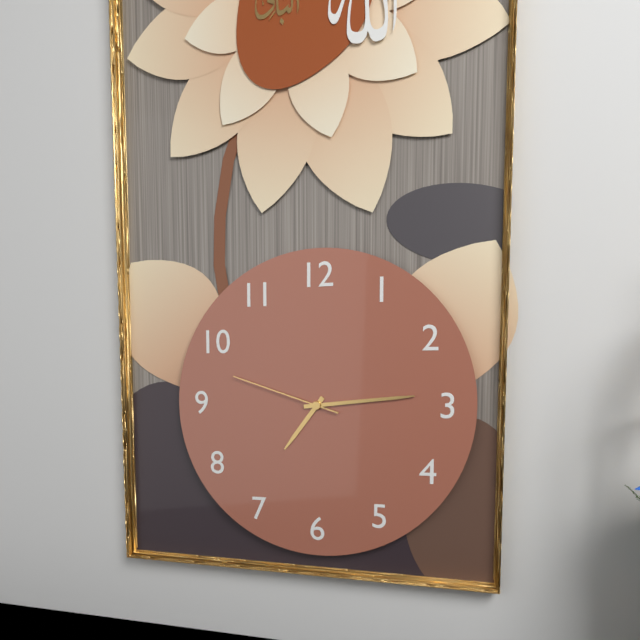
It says 7 h 14 min 48 s
